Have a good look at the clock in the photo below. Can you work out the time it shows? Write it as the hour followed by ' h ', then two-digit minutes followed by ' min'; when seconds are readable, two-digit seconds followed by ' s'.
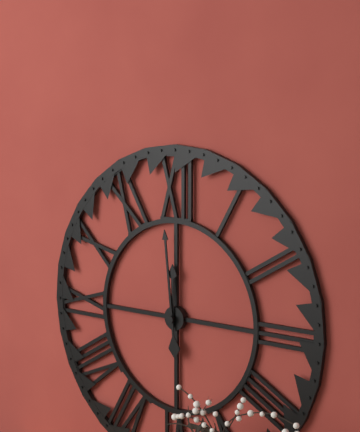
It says 11 h 59 min
